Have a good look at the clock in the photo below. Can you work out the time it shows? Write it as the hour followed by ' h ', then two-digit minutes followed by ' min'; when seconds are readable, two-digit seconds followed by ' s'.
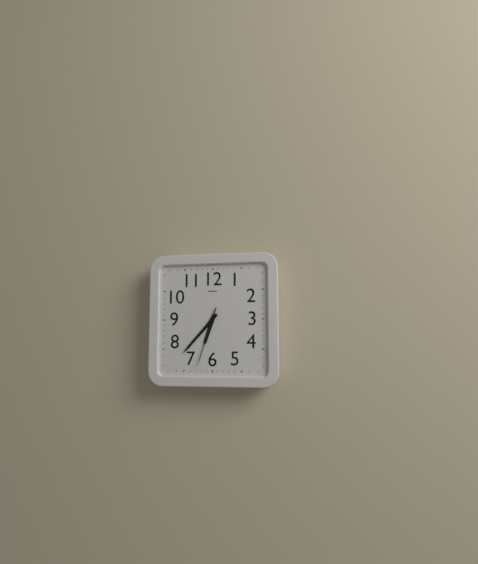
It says 6 h 37 min 33 s
